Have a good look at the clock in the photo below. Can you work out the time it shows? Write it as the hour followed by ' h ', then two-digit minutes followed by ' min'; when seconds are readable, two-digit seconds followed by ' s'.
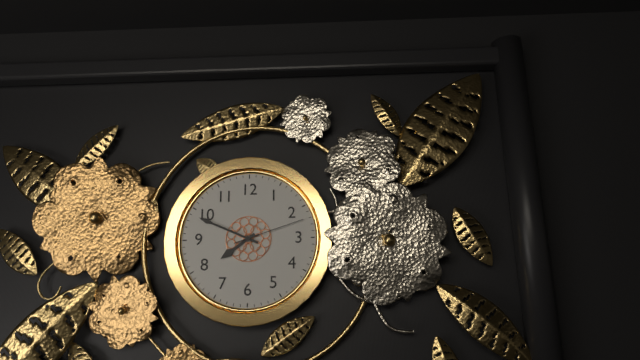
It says 7 h 49 min 12 s
